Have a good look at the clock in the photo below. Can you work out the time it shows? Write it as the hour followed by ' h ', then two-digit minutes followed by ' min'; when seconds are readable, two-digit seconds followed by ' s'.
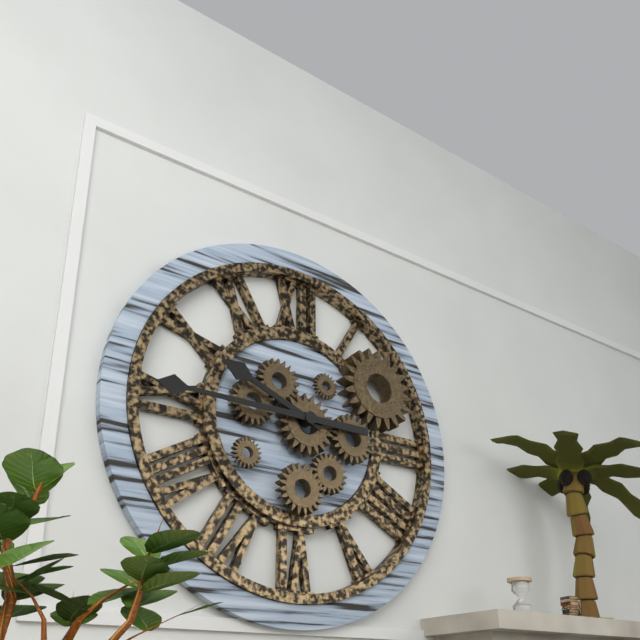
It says 9 h 45 min
